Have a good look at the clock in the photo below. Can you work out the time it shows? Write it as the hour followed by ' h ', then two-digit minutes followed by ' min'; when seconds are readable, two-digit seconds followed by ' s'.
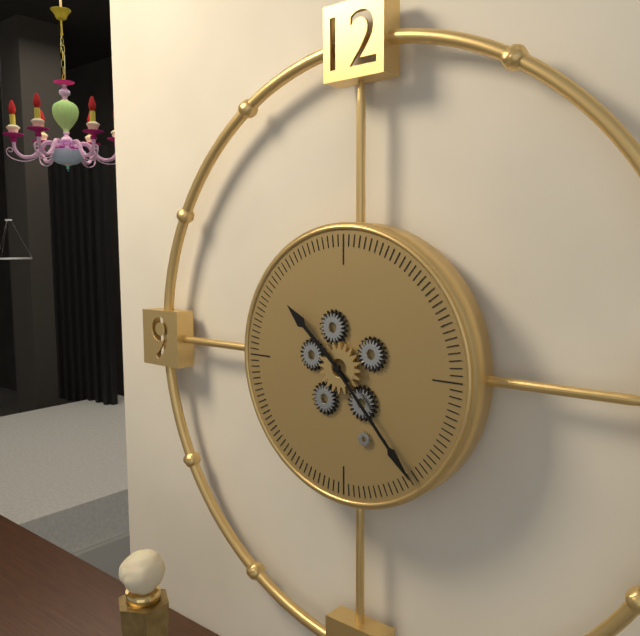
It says 10 h 23 min
